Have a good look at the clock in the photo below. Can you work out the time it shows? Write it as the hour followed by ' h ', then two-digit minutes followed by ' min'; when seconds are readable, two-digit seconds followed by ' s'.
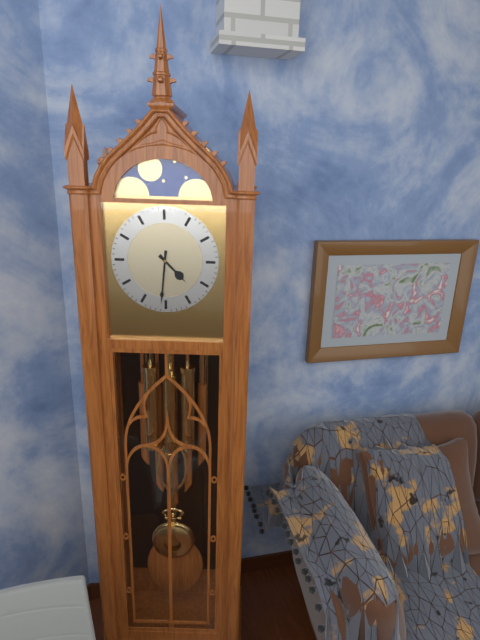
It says 4 h 31 min
